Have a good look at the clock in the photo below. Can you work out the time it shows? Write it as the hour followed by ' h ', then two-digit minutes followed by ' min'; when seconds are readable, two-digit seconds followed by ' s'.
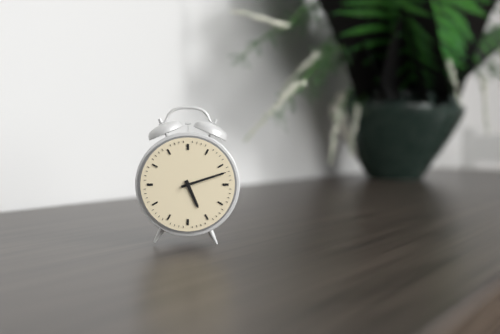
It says 5 h 12 min
